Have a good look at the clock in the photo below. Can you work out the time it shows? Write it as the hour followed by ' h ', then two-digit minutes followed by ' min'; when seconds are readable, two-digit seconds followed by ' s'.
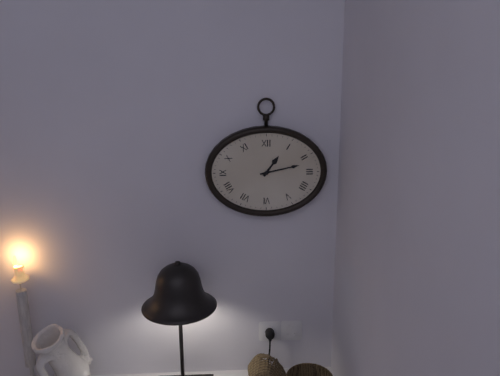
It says 1 h 13 min
